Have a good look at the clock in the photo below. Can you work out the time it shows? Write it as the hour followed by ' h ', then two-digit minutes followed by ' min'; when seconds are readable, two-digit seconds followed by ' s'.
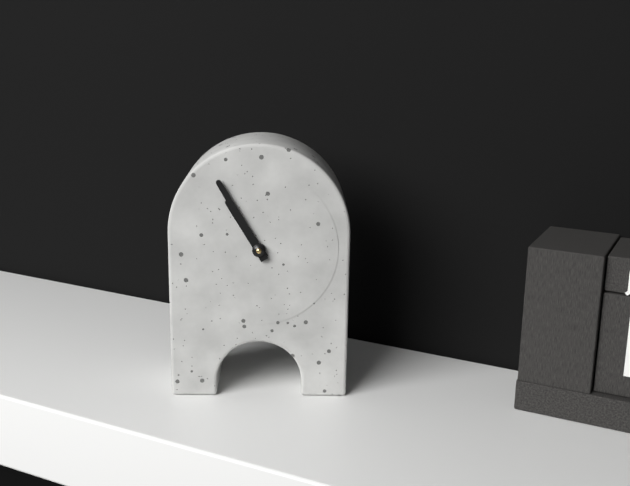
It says 10 h 55 min
